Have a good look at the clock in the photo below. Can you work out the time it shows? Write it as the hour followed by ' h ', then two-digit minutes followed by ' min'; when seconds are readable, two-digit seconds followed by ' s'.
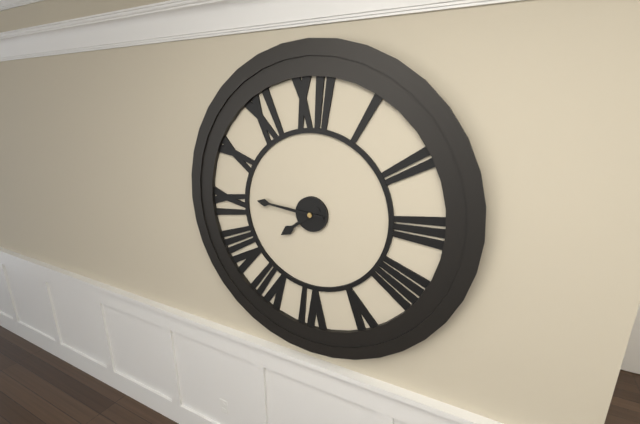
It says 7 h 46 min
